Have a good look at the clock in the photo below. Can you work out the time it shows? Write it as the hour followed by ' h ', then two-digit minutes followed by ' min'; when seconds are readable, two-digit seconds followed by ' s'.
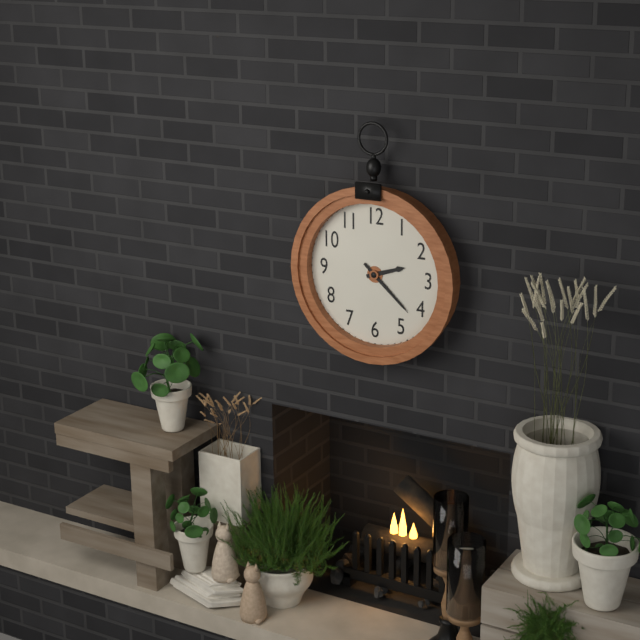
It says 2 h 22 min
